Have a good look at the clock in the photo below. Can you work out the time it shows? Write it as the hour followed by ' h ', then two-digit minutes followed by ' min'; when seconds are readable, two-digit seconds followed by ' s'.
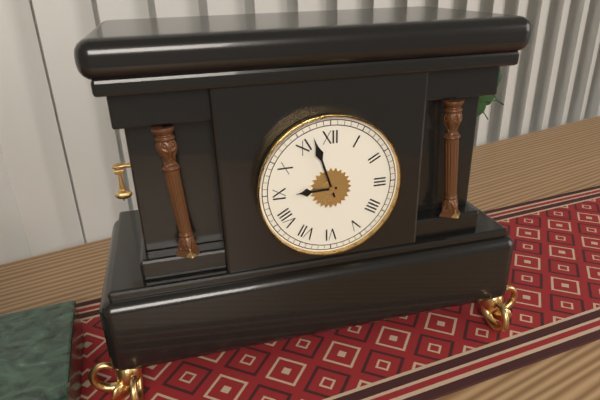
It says 8 h 57 min
